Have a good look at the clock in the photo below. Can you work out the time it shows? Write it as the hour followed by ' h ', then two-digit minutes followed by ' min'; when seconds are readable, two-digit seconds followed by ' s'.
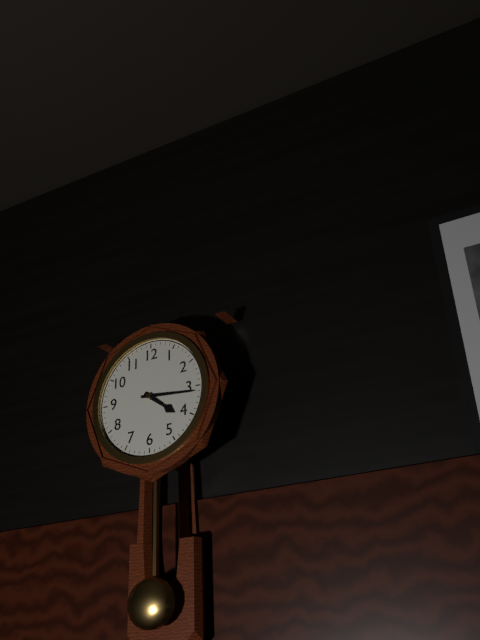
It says 4 h 16 min
